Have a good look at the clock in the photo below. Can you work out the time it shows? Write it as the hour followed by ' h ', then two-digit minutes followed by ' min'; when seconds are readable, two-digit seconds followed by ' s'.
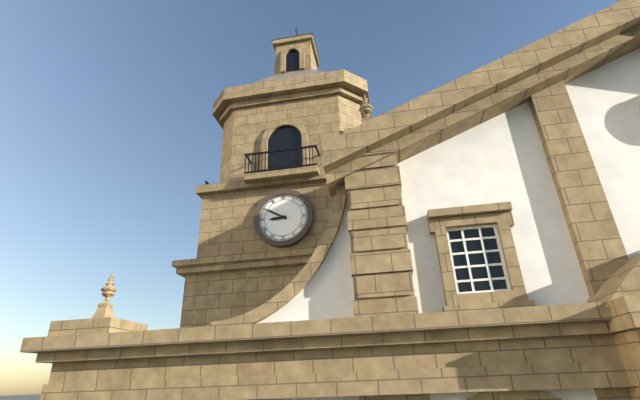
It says 8 h 50 min
